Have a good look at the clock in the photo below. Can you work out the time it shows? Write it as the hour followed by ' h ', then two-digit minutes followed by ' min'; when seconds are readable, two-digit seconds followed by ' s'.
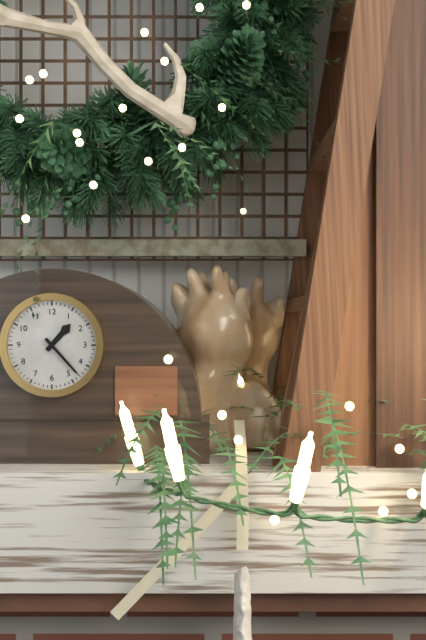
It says 1 h 23 min
